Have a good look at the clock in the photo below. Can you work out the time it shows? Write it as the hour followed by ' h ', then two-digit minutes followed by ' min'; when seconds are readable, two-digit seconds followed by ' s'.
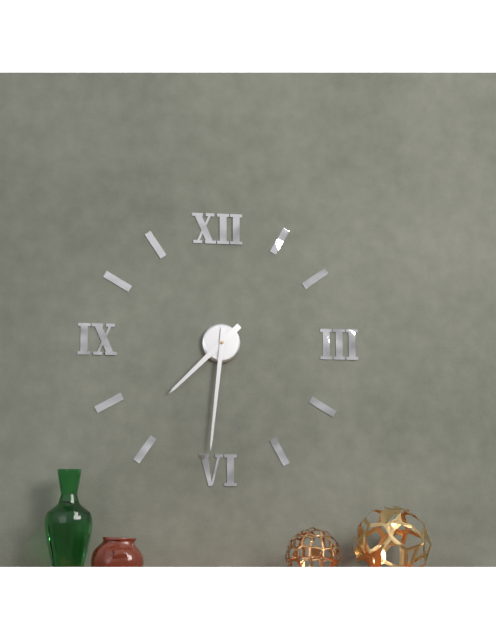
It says 7 h 31 min
